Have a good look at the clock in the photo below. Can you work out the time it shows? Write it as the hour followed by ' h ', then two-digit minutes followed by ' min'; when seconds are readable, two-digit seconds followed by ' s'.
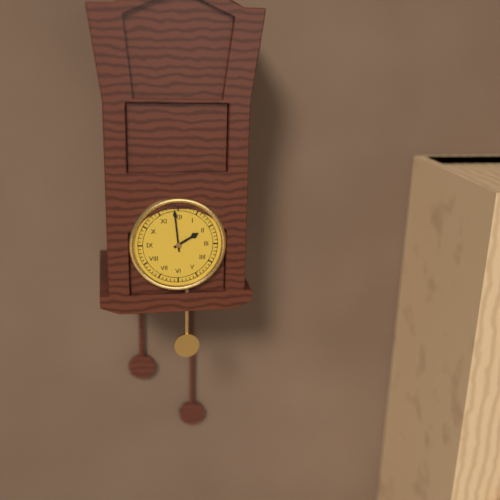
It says 1 h 59 min
